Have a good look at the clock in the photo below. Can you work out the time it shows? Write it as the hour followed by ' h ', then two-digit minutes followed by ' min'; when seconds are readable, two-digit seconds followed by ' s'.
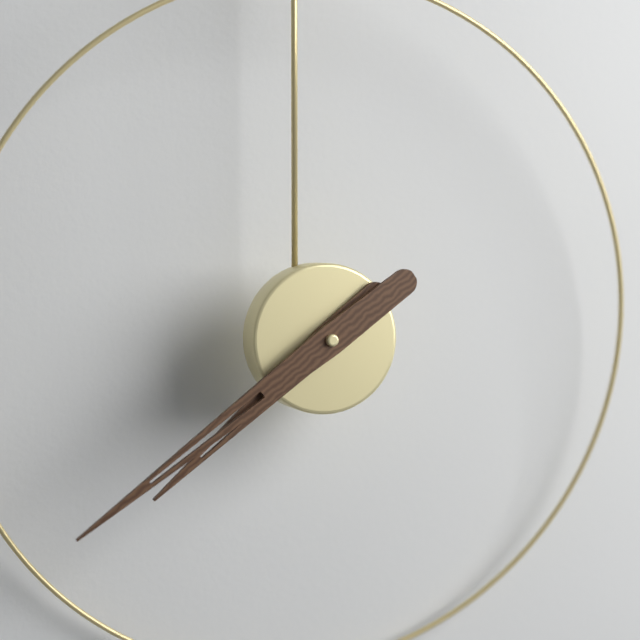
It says 7 h 39 min
